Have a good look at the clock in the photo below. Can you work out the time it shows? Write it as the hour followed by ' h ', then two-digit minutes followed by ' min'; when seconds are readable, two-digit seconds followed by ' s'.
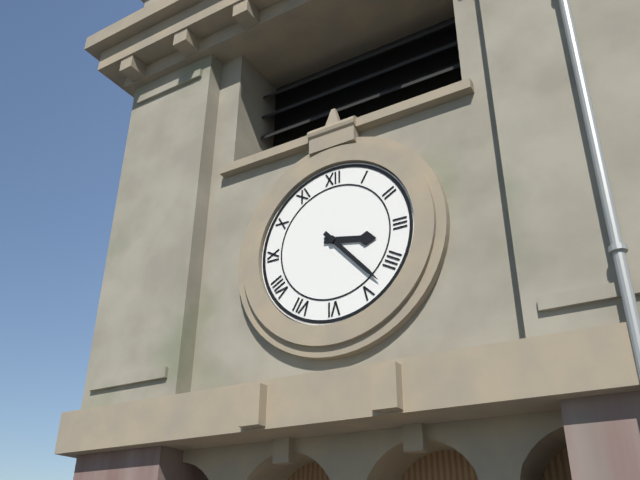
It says 3 h 23 min
